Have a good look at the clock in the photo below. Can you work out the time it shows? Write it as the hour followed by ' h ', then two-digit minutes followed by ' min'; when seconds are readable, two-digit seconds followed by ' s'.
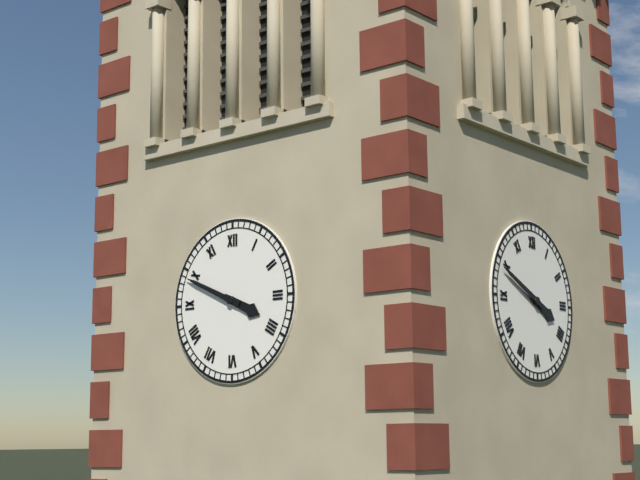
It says 3 h 49 min
